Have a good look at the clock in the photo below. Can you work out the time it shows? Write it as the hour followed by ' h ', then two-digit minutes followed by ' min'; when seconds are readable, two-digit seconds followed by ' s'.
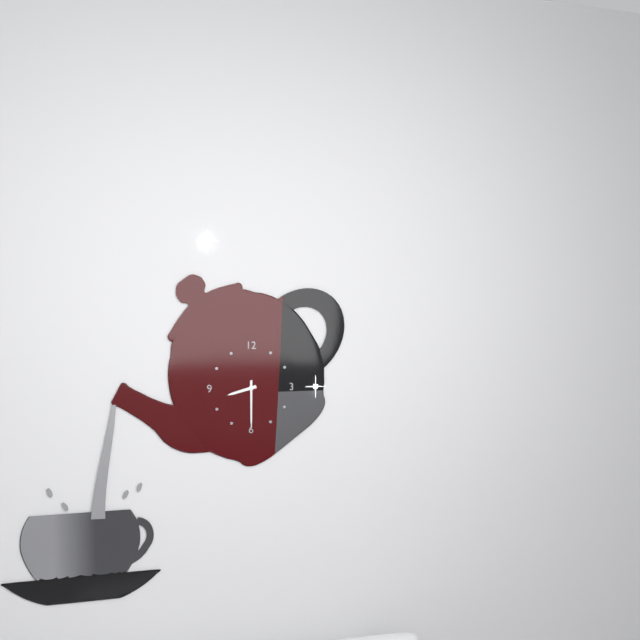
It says 8 h 30 min
